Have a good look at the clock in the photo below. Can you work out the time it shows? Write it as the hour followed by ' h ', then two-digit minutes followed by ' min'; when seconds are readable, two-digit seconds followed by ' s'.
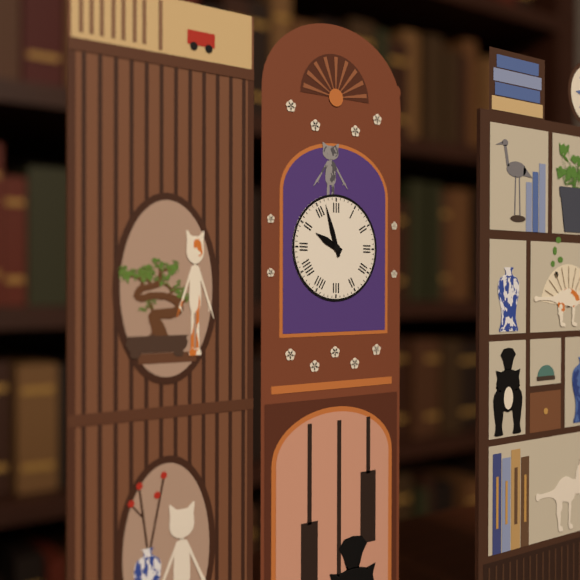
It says 9 h 57 min
